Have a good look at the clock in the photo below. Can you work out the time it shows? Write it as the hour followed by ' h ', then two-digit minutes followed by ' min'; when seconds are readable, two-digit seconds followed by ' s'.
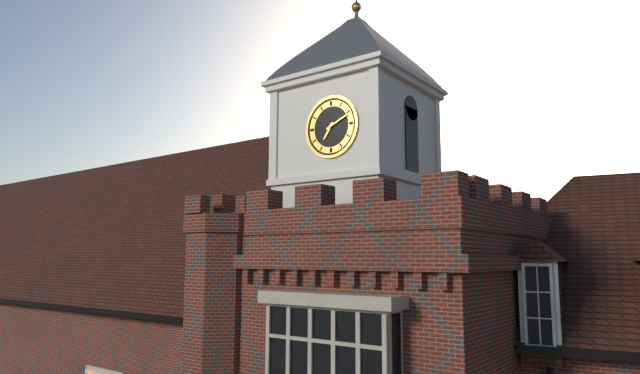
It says 7 h 11 min
